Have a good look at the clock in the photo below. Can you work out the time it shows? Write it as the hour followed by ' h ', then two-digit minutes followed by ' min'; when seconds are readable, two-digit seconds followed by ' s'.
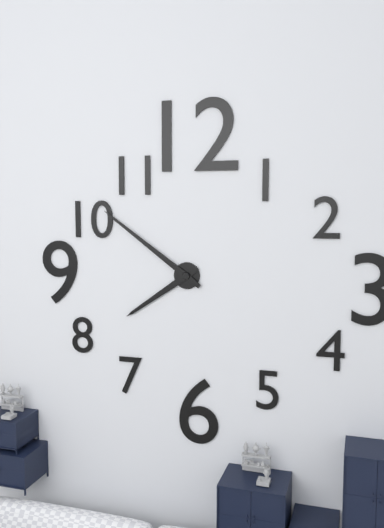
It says 7 h 51 min
